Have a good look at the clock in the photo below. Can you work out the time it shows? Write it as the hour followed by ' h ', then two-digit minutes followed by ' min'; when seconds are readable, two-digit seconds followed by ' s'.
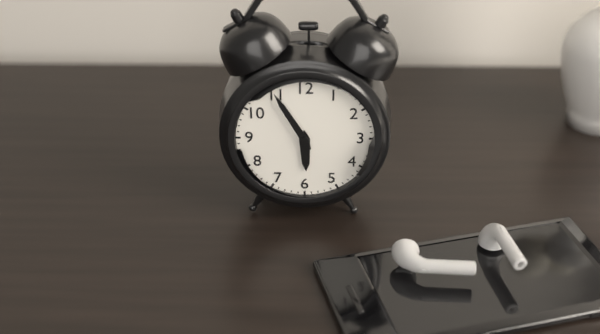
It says 5 h 55 min
